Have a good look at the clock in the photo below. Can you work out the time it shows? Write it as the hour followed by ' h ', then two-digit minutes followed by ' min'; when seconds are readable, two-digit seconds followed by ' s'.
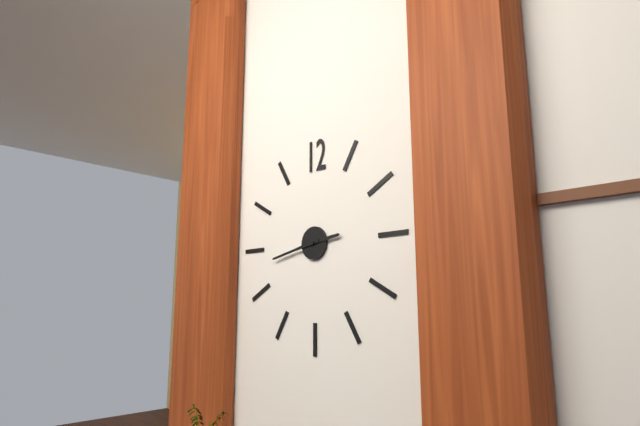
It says 2 h 43 min
